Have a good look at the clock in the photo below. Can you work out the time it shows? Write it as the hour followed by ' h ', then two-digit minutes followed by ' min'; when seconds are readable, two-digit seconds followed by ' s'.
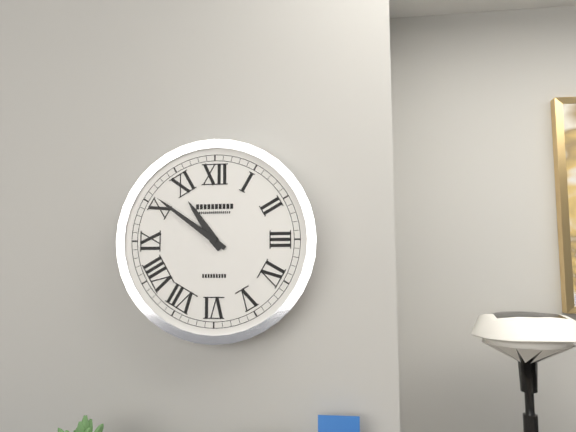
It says 10 h 51 min
